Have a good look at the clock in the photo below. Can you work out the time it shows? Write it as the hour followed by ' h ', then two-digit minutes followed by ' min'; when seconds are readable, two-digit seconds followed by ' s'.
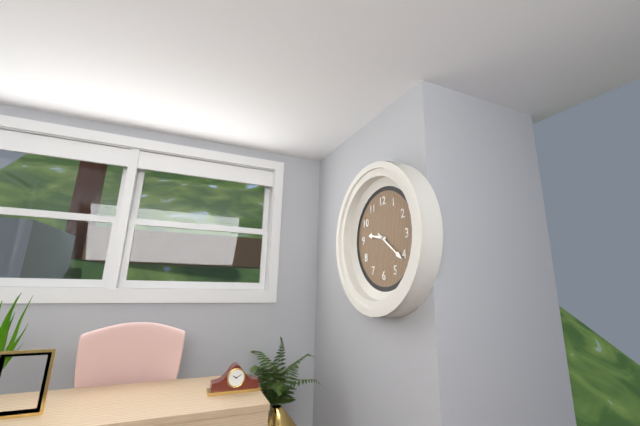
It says 9 h 21 min
